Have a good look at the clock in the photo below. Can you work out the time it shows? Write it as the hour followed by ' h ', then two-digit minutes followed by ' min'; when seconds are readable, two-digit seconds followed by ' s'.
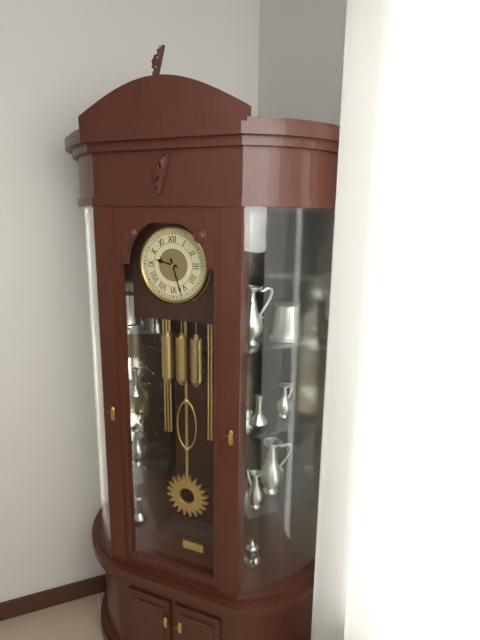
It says 9 h 27 min
